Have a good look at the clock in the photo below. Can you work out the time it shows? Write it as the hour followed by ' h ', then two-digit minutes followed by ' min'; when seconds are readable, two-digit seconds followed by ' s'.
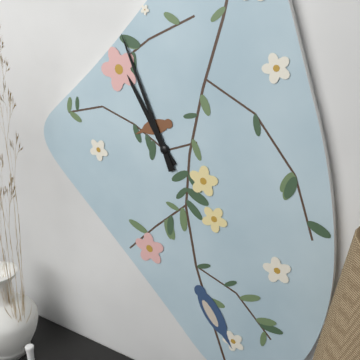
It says 10 h 56 min
